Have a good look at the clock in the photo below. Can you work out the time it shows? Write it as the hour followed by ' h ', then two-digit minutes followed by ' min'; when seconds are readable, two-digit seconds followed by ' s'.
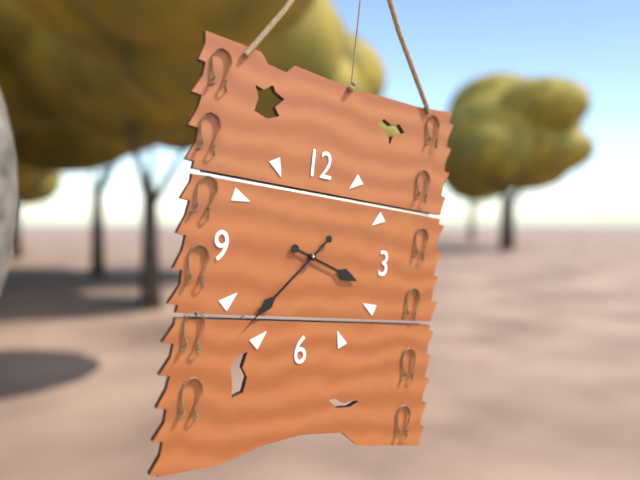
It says 3 h 37 min
